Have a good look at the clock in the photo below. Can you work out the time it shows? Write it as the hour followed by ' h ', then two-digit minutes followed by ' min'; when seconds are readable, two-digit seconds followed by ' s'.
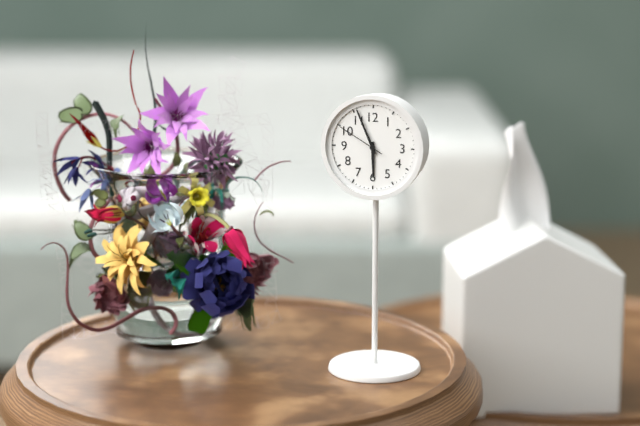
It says 5 h 56 min
